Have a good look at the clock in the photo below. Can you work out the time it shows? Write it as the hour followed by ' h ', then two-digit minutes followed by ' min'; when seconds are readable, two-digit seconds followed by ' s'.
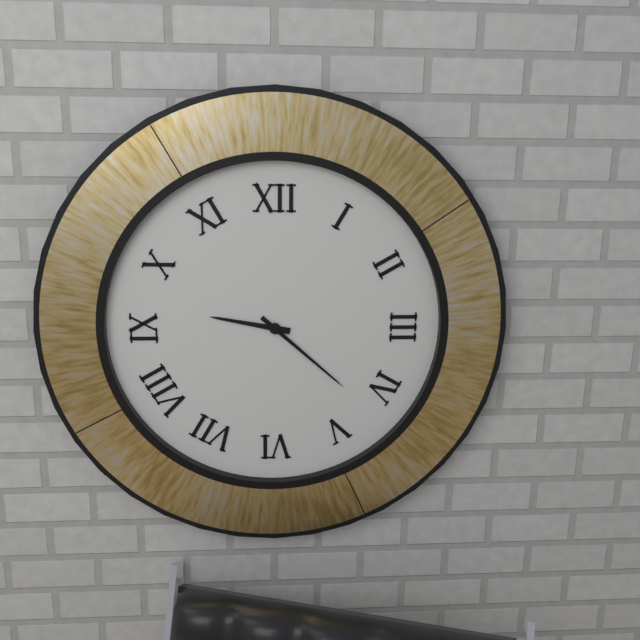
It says 9 h 22 min
